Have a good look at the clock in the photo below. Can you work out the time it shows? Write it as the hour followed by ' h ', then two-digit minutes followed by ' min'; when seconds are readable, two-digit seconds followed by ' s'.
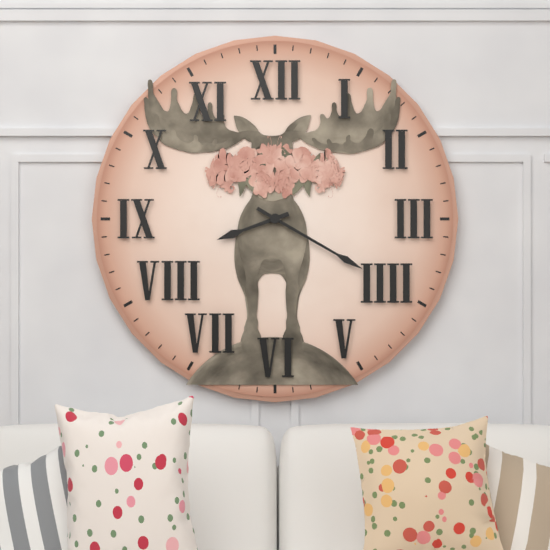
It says 8 h 20 min
